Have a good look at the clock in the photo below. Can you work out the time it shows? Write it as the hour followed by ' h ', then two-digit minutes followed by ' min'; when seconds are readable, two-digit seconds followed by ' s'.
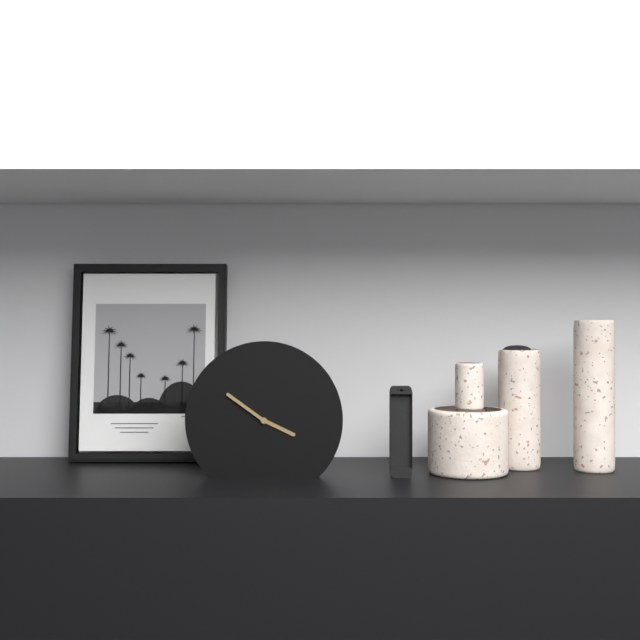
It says 3 h 51 min
